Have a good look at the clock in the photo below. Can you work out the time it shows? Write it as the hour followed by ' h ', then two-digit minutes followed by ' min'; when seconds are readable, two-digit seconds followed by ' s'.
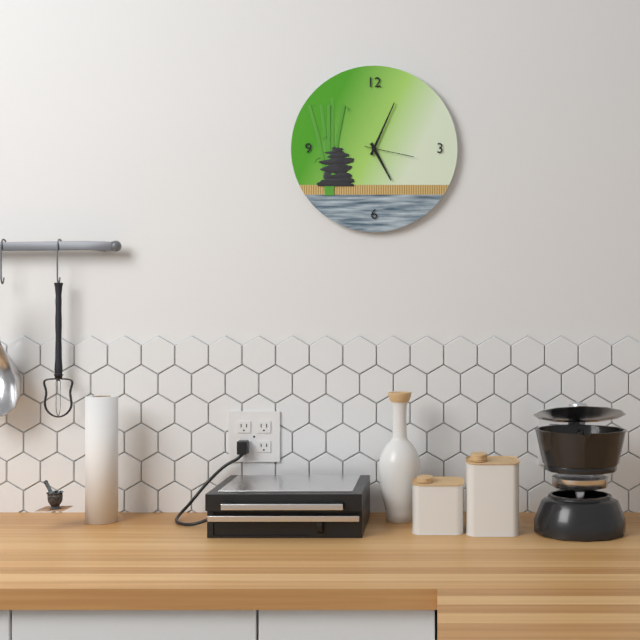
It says 5 h 04 min 17 s
